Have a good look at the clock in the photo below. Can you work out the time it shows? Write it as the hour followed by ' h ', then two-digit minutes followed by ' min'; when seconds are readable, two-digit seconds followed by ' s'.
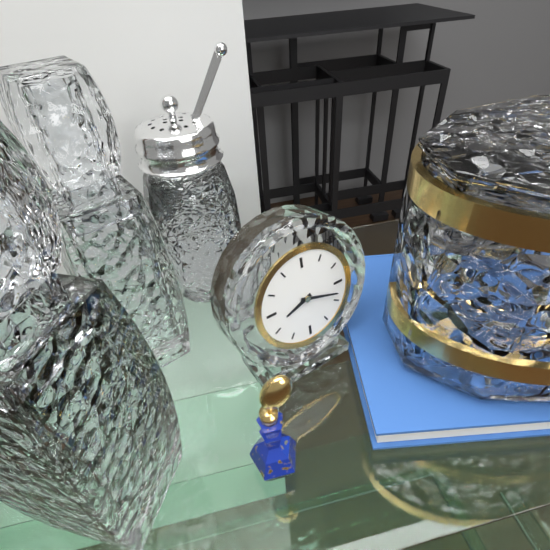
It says 8 h 18 min
